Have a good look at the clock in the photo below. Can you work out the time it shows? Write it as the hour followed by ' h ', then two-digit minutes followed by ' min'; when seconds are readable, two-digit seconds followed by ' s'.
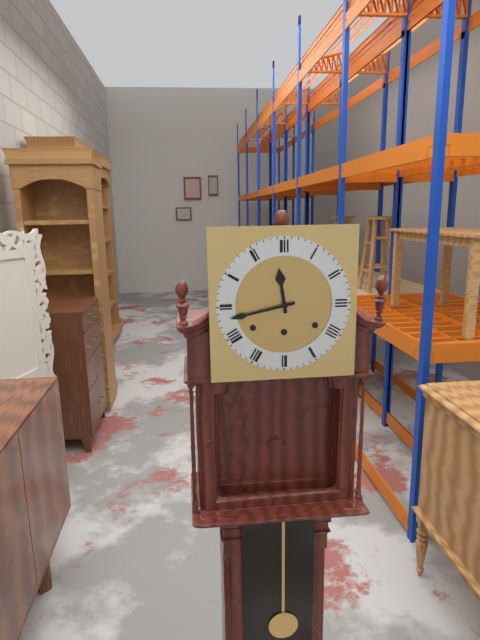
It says 11 h 43 min
